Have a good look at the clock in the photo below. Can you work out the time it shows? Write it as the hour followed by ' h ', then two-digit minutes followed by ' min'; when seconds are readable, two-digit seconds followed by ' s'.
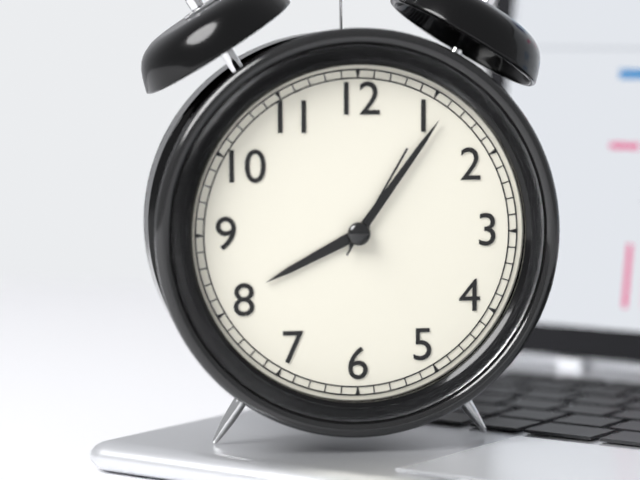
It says 8 h 06 min 05 s
